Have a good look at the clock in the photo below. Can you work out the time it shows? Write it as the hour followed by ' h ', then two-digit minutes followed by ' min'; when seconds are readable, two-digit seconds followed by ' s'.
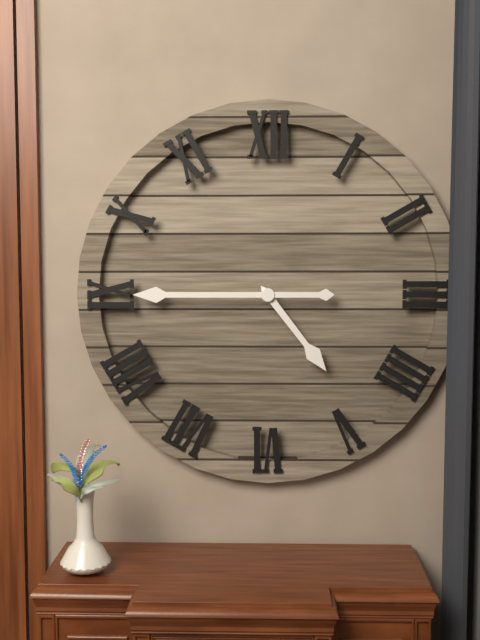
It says 4 h 45 min
